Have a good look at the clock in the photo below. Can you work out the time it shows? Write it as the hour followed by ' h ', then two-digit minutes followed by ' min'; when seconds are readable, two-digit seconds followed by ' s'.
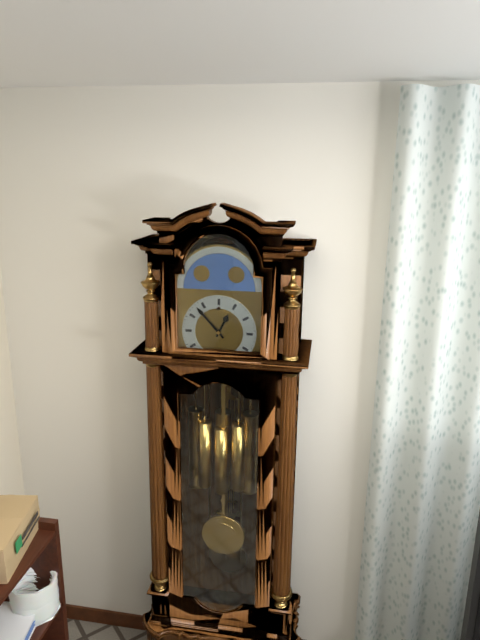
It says 12 h 53 min
